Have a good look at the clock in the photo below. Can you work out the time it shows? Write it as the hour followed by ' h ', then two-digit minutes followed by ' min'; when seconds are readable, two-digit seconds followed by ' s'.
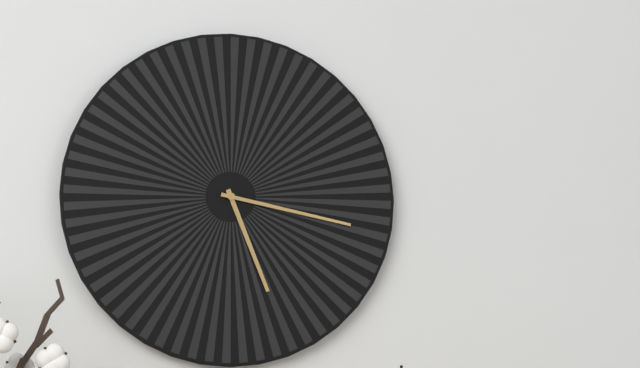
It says 5 h 17 min
